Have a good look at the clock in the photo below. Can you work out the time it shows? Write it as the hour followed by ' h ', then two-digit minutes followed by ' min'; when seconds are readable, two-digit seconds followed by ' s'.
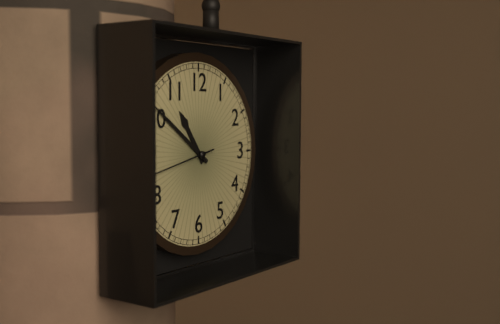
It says 10 h 51 min 43 s
